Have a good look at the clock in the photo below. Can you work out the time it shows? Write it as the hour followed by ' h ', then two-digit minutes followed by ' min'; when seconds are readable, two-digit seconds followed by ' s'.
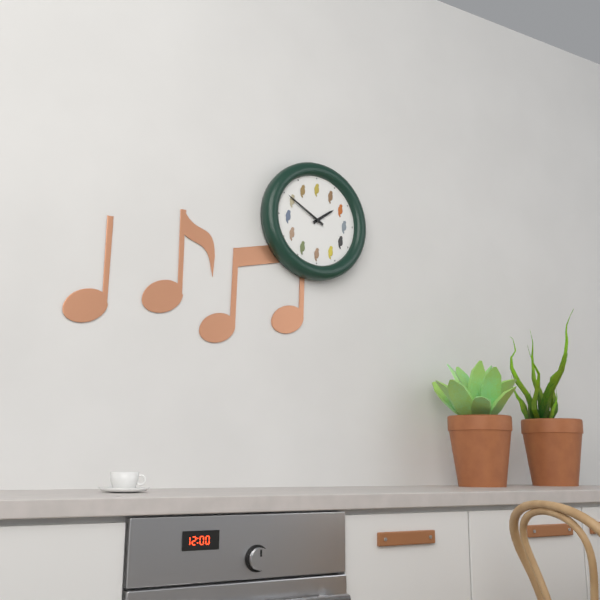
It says 1 h 50 min
